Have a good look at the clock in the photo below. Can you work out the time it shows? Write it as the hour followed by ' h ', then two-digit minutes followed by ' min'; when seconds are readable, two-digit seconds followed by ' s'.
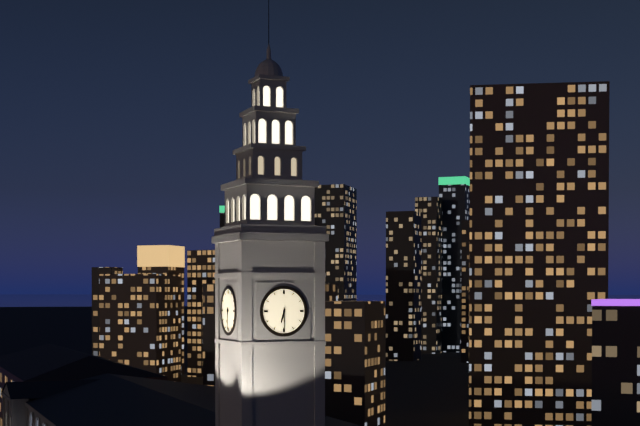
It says 6 h 30 min
